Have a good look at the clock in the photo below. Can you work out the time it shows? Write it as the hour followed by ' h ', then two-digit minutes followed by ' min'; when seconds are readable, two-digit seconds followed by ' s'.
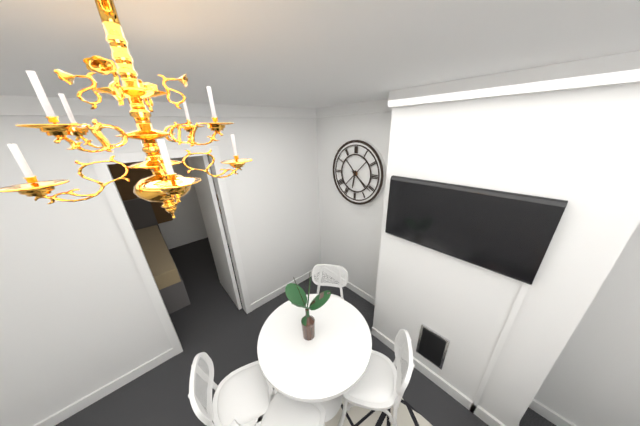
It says 6 h 21 min
